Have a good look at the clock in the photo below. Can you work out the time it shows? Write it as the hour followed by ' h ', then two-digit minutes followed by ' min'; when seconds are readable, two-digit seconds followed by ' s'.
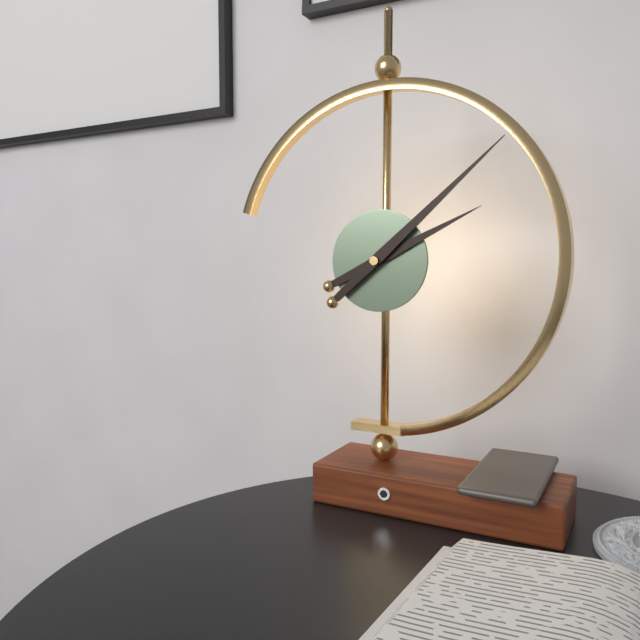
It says 2 h 08 min
